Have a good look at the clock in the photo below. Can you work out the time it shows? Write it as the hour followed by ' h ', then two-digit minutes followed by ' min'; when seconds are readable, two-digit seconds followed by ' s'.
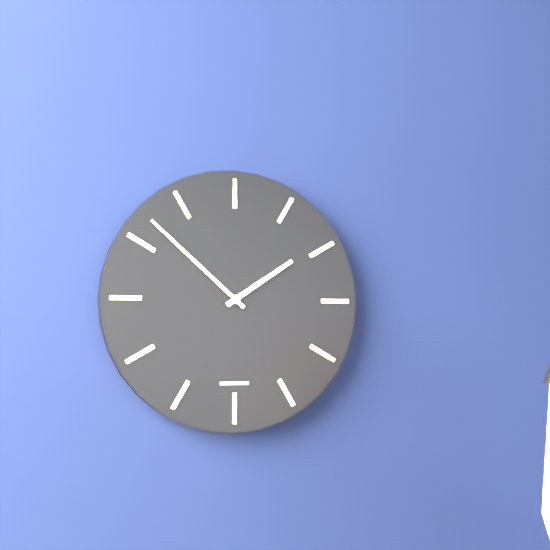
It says 1 h 52 min
